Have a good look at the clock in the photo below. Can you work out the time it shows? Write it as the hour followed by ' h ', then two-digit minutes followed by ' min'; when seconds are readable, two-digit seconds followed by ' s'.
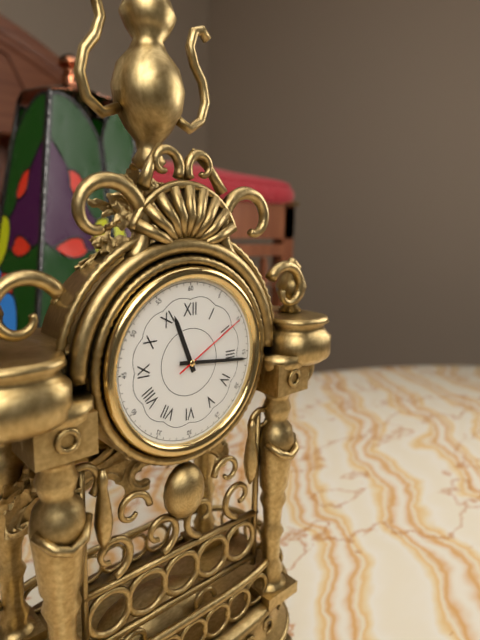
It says 11 h 16 min 10 s
